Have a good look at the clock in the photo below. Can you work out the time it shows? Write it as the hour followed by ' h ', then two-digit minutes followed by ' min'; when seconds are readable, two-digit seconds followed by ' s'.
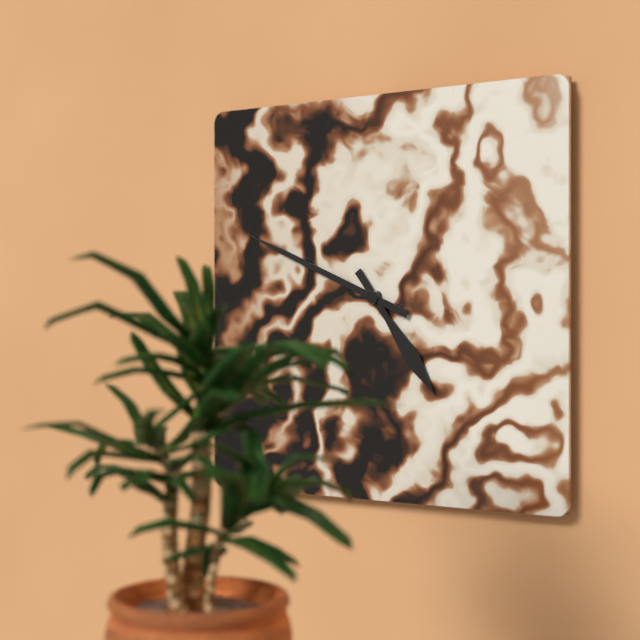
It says 4 h 49 min
